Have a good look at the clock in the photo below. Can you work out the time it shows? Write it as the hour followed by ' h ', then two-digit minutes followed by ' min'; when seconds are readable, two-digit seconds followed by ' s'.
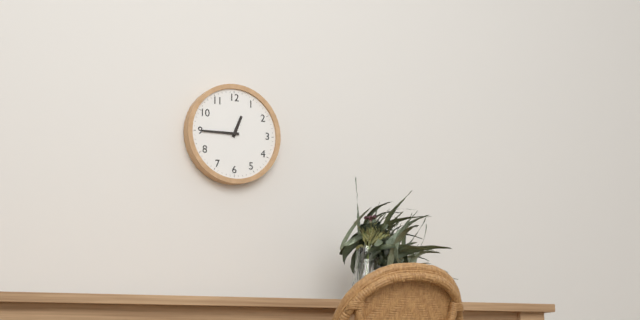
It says 12 h 45 min
